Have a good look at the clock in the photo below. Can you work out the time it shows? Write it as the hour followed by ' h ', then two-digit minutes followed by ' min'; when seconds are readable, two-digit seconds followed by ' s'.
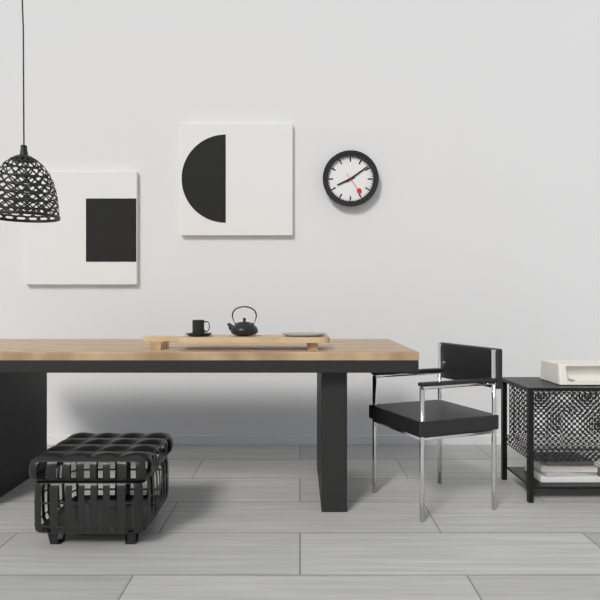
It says 8 h 09 min
